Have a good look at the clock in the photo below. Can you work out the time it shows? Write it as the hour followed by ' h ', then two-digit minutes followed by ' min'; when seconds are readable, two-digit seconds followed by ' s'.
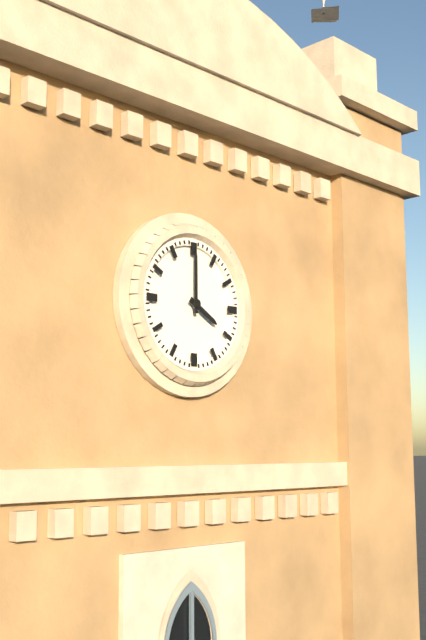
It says 4 h 00 min
